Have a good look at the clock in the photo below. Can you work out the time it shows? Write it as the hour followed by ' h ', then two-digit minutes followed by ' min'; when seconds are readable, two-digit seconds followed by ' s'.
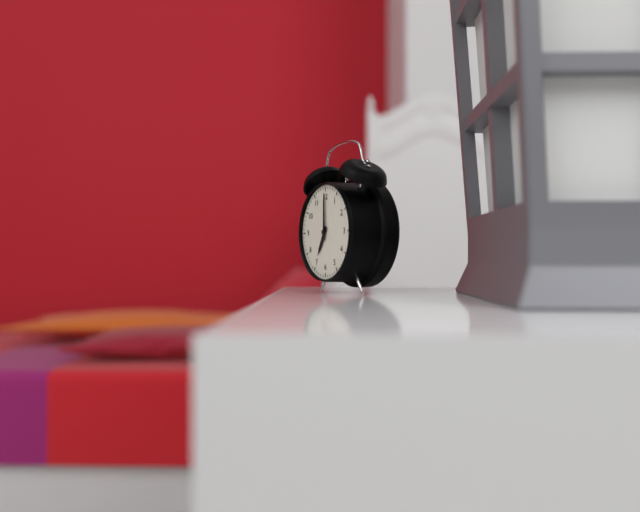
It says 7 h 00 min
